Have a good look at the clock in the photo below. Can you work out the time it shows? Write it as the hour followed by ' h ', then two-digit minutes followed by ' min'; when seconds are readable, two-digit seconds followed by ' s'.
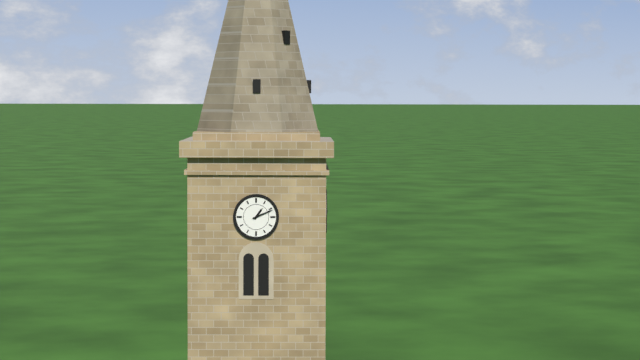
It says 1 h 11 min
